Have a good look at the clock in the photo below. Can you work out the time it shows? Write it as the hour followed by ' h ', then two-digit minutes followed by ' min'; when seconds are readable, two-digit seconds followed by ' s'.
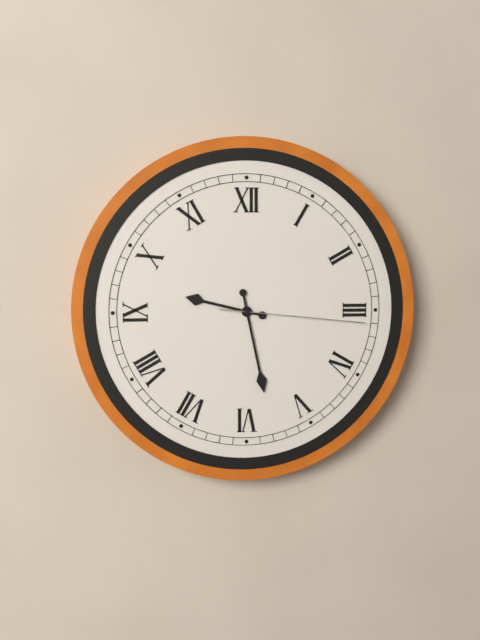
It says 9 h 28 min 16 s
